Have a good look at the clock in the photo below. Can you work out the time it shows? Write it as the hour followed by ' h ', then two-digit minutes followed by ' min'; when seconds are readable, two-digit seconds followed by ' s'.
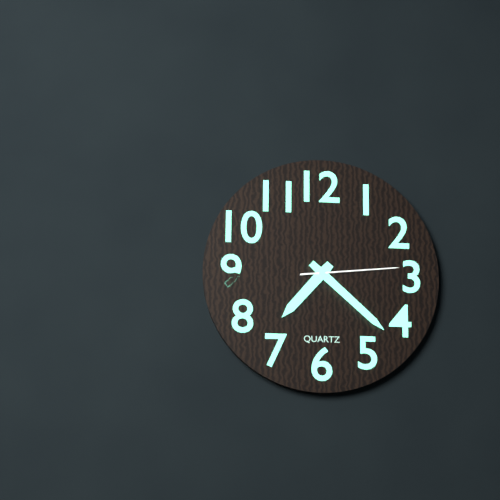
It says 7 h 22 min 14 s
